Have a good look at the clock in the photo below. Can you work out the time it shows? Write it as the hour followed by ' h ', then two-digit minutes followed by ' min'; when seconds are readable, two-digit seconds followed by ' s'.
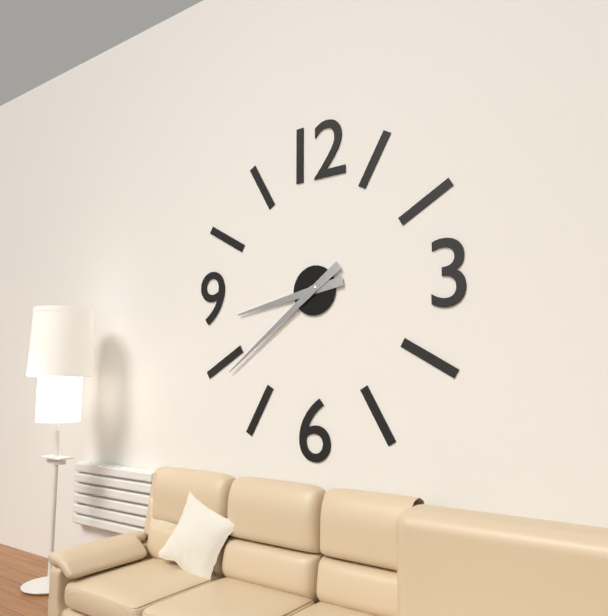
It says 8 h 39 min
